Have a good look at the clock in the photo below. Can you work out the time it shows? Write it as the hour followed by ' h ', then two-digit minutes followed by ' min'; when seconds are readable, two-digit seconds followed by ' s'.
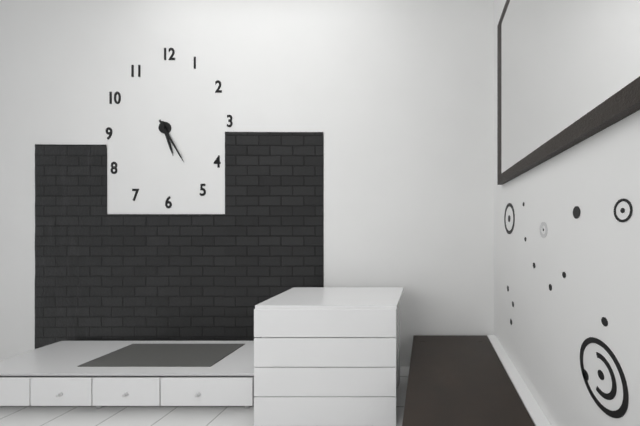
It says 5 h 25 min
